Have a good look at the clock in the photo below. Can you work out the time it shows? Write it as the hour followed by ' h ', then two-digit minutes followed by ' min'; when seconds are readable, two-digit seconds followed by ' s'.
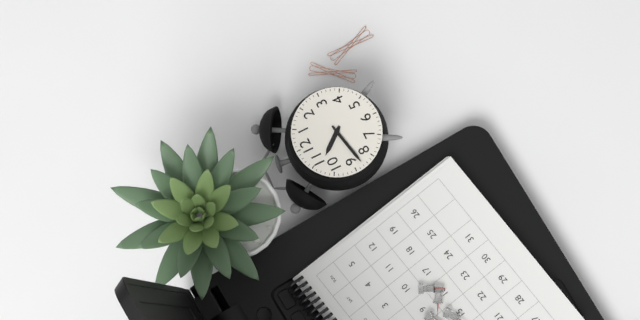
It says 10 h 43 min
